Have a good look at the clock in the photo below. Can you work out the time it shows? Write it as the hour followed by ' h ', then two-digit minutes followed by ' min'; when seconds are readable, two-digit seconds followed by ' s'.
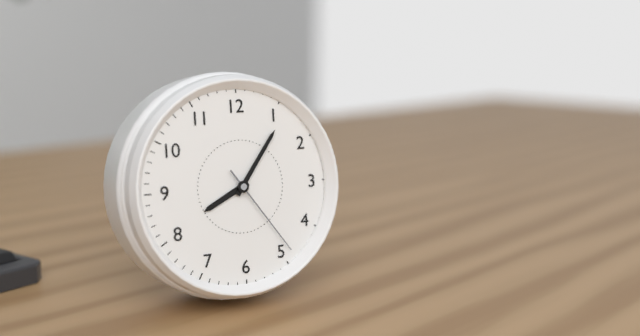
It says 8 h 06 min 24 s
